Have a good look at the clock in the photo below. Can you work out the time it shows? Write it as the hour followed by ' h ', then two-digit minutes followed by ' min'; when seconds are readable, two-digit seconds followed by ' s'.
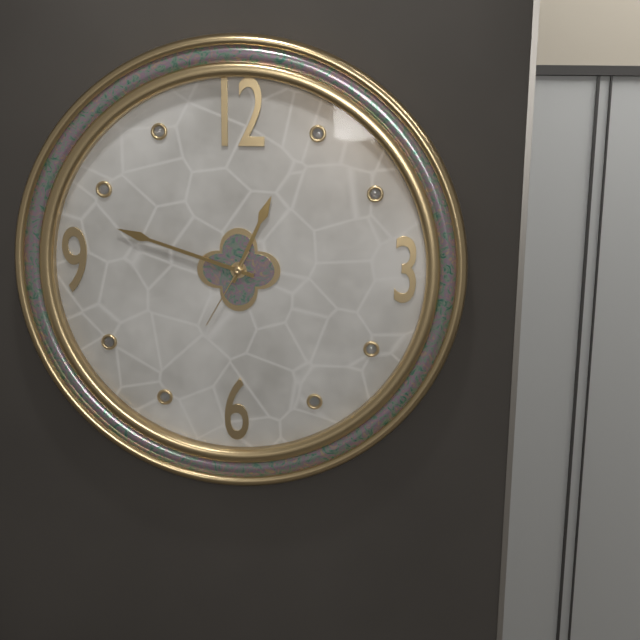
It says 12 h 48 min 35 s
